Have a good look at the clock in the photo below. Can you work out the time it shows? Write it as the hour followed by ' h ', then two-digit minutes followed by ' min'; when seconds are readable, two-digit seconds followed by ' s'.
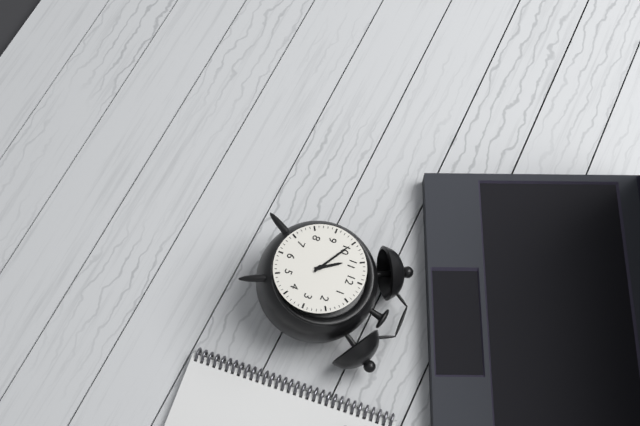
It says 10 h 50 min
